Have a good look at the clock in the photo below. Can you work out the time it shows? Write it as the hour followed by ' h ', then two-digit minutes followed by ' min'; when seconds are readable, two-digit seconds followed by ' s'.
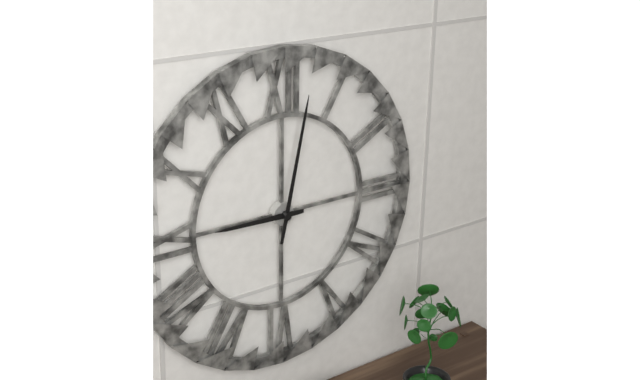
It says 9 h 02 min
